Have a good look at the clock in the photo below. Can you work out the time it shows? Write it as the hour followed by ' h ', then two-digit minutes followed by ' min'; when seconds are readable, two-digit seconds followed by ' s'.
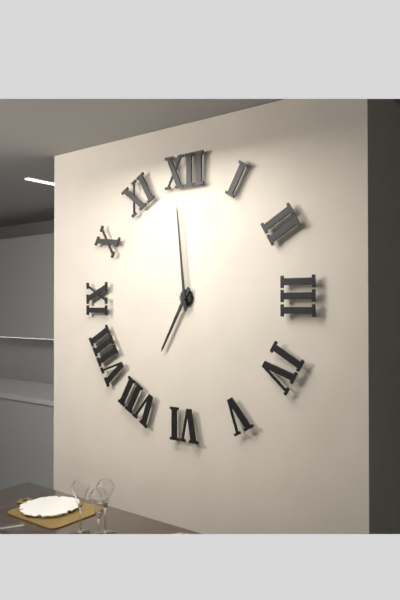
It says 6 h 59 min
